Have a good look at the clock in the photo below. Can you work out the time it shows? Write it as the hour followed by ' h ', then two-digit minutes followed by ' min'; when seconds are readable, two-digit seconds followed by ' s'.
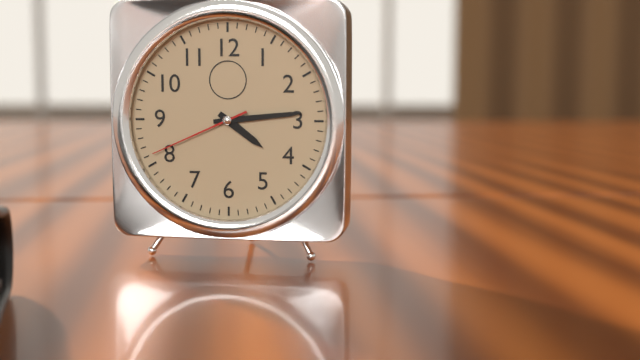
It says 4 h 14 min 41 s
